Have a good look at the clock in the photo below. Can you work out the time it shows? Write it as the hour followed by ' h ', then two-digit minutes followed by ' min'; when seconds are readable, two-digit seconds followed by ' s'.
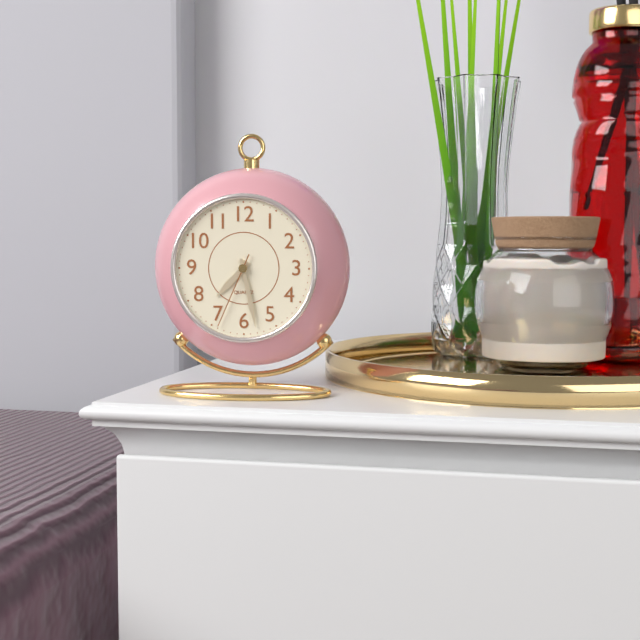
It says 7 h 28 min 34 s
